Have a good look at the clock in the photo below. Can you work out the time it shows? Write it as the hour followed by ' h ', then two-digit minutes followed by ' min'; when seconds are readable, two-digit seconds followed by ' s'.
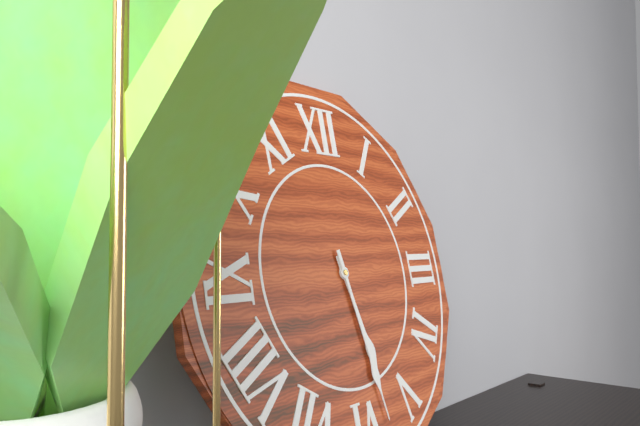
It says 5 h 28 min
